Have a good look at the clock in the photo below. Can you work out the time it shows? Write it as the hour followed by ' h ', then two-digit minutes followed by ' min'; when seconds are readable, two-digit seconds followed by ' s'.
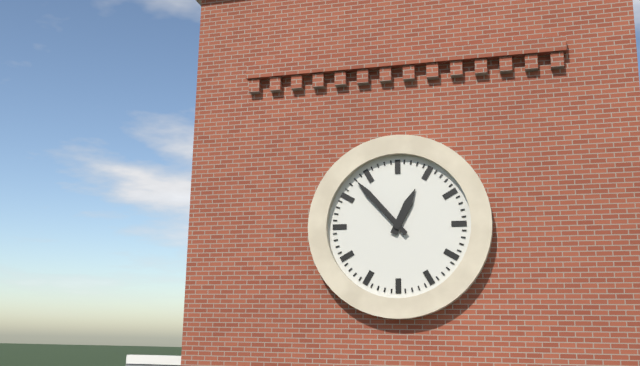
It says 12 h 53 min
